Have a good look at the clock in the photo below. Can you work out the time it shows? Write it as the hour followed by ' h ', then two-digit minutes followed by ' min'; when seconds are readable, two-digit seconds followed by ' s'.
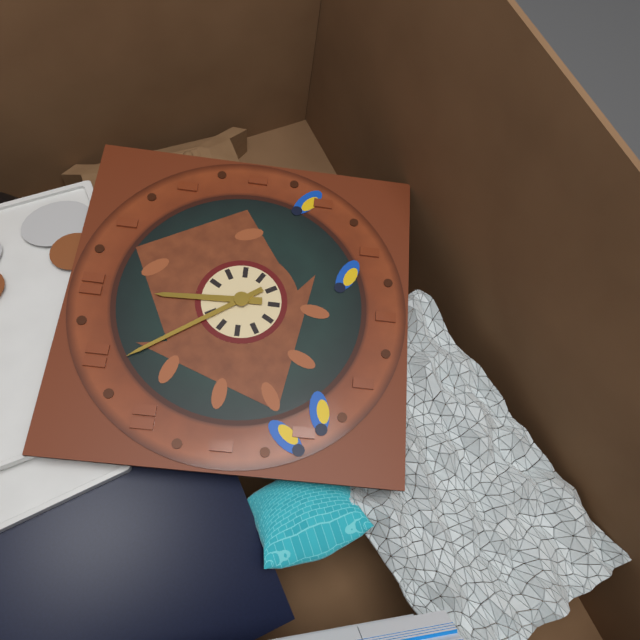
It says 11 h 54 min
